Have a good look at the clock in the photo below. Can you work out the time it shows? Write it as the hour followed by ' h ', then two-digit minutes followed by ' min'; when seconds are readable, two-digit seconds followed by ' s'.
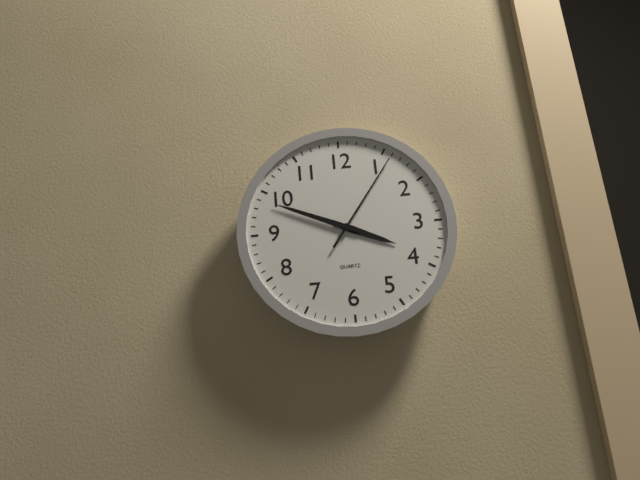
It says 3 h 49 min 06 s
